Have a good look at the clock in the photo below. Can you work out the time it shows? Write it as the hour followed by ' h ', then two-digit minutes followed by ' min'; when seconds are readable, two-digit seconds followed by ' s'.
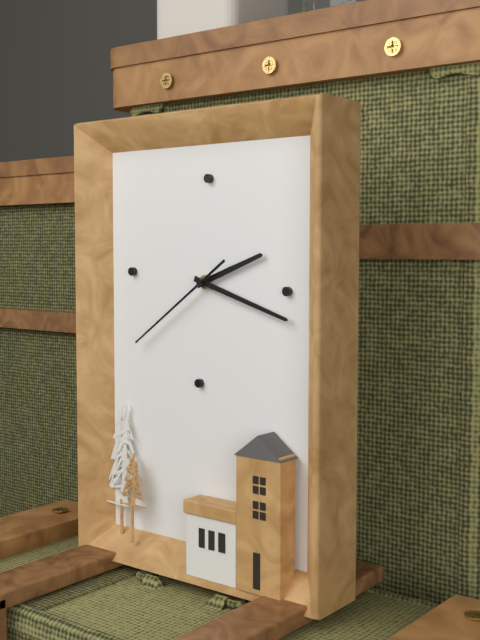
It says 2 h 18 min 39 s
